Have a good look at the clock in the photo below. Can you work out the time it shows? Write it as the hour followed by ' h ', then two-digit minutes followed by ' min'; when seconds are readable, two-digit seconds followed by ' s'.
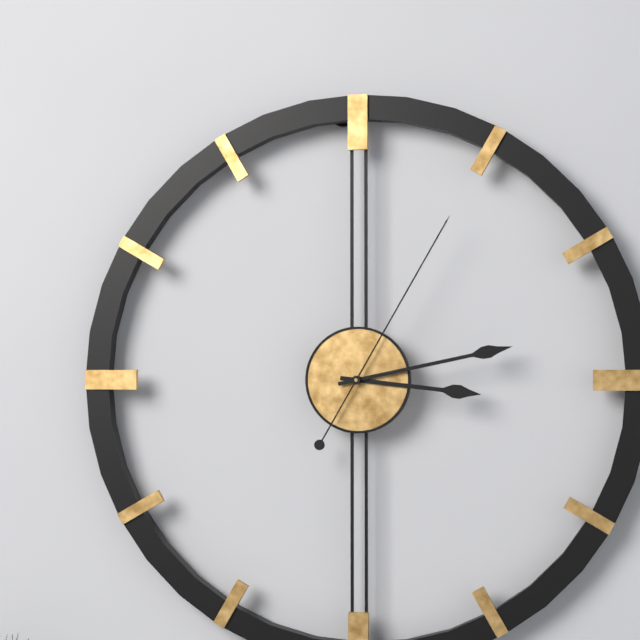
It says 3 h 13 min 05 s
